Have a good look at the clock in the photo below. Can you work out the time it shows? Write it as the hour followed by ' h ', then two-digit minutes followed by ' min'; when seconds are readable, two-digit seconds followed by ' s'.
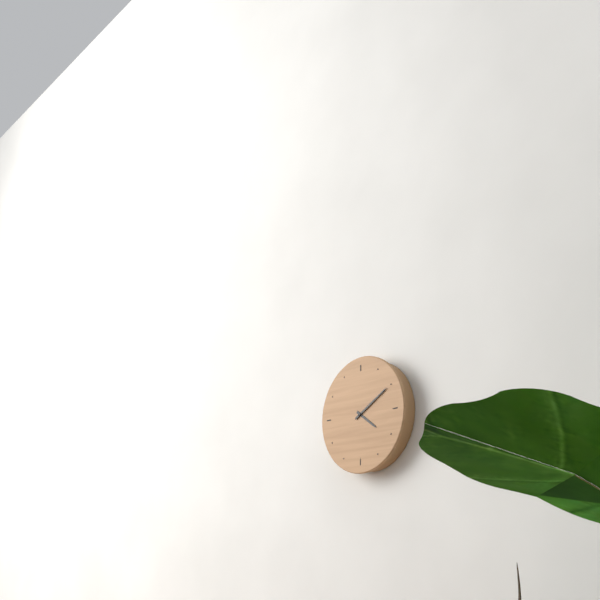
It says 4 h 10 min
